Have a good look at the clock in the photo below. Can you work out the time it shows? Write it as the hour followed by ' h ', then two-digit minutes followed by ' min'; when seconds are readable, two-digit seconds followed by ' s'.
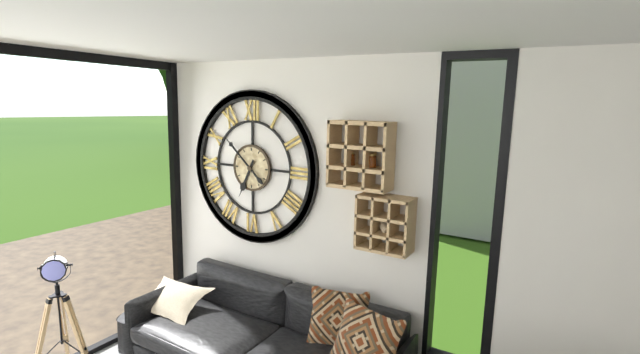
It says 6 h 52 min
